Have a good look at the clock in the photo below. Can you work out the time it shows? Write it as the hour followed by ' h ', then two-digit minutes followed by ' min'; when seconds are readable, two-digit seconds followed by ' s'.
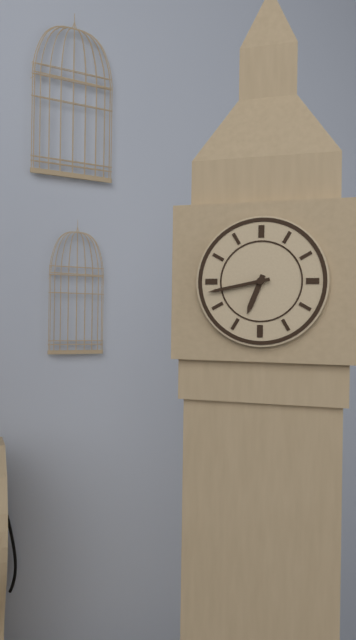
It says 6 h 43 min
